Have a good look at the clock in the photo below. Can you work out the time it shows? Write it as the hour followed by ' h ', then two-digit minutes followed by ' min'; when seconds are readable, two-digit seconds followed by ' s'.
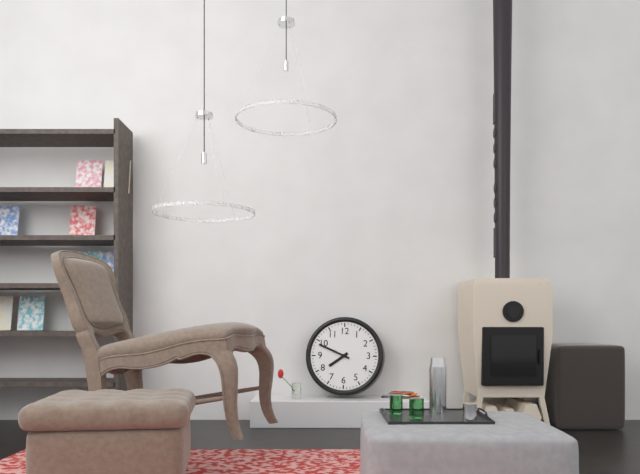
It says 7 h 49 min
